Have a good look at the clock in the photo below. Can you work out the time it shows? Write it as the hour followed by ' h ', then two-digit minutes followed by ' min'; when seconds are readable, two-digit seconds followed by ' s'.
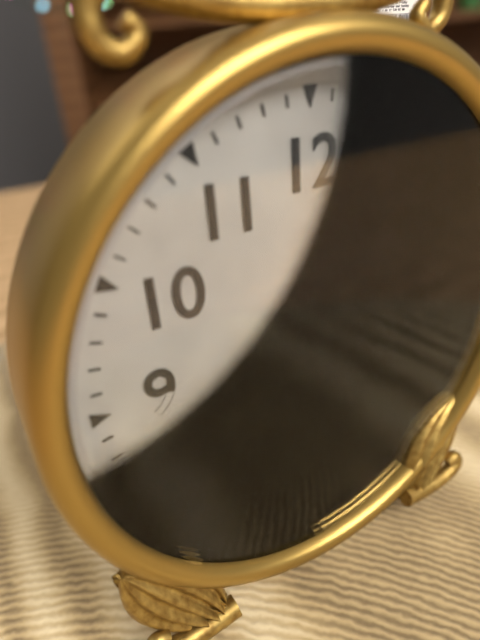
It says 3 h 34 min
